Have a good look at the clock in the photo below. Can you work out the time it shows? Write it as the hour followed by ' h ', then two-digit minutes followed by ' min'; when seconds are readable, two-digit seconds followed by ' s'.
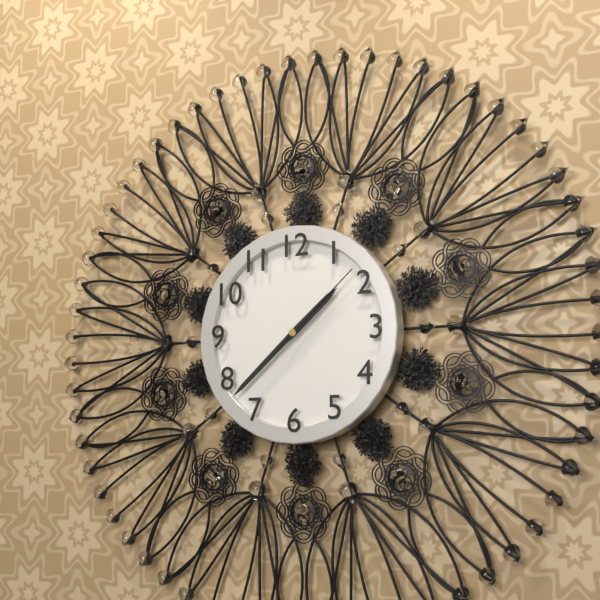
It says 1 h 38 min 08 s
